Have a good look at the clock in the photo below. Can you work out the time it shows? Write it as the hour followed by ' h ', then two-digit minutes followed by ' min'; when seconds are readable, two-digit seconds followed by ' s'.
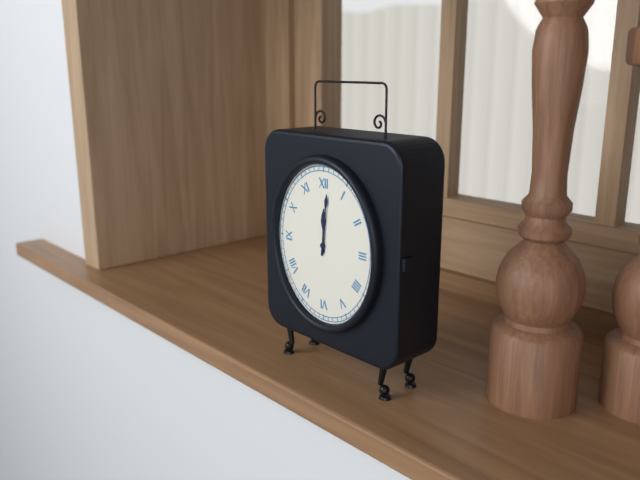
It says 12 h 01 min
